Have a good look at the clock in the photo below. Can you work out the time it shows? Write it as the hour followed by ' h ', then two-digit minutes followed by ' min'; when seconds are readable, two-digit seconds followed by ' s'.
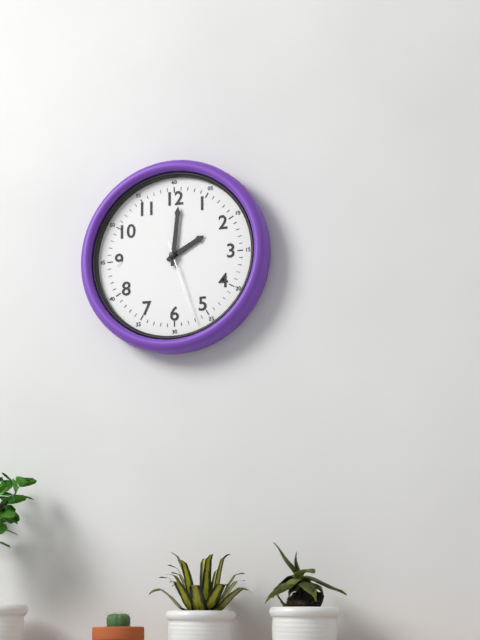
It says 2 h 01 min 27 s
